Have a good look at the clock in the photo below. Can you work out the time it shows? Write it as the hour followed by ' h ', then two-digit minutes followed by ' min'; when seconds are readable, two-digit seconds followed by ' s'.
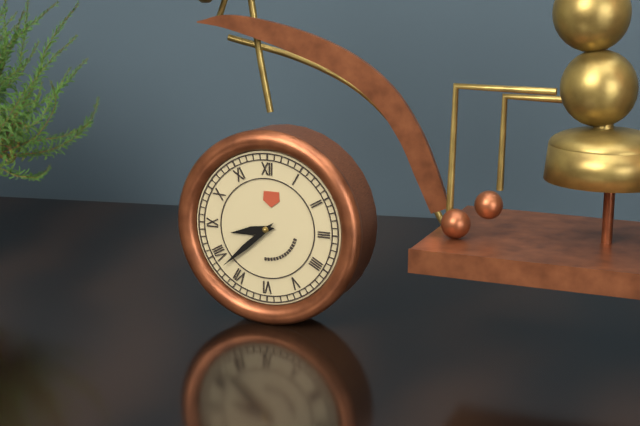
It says 8 h 38 min
